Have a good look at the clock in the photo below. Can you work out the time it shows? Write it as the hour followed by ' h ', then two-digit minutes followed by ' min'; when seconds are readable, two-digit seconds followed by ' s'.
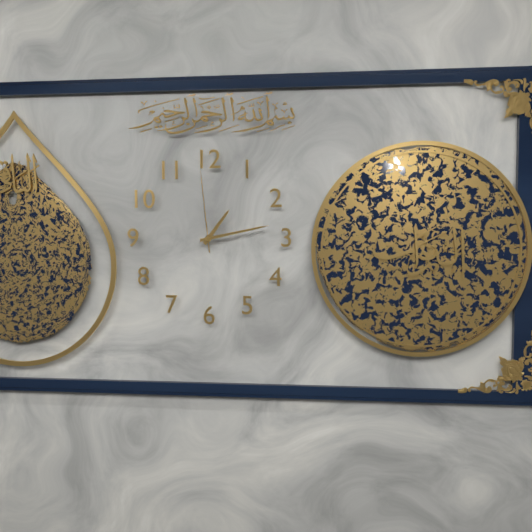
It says 1 h 13 min 59 s
